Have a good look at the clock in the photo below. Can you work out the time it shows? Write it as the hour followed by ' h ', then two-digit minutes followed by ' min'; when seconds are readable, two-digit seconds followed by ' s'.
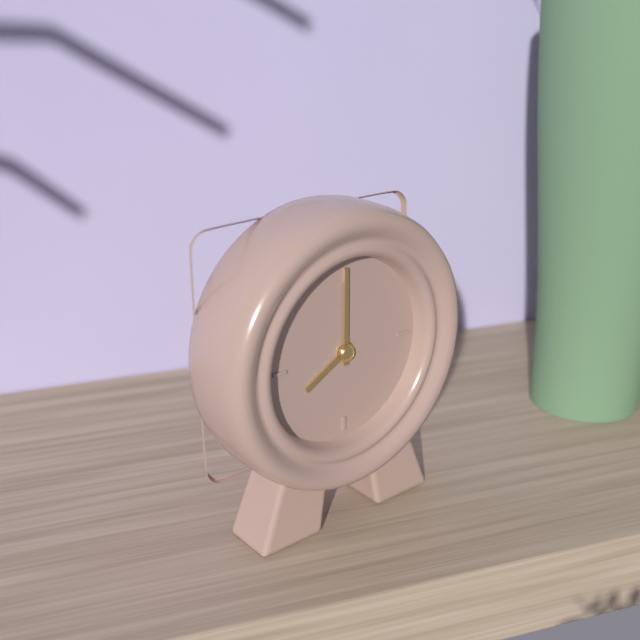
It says 8 h 00 min
